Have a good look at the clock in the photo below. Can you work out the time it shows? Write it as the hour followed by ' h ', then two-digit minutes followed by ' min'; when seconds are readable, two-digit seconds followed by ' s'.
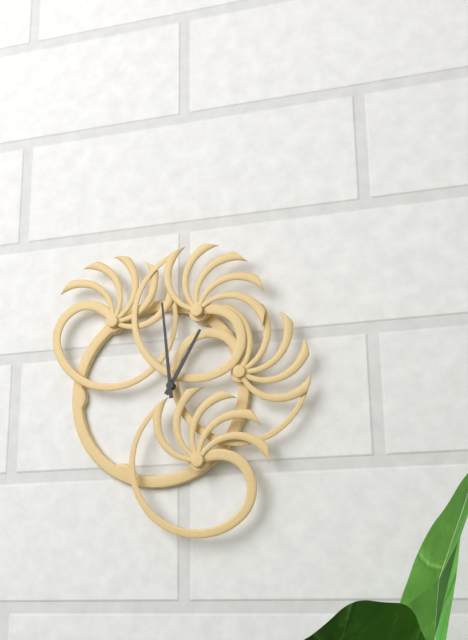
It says 12 h 59 min
